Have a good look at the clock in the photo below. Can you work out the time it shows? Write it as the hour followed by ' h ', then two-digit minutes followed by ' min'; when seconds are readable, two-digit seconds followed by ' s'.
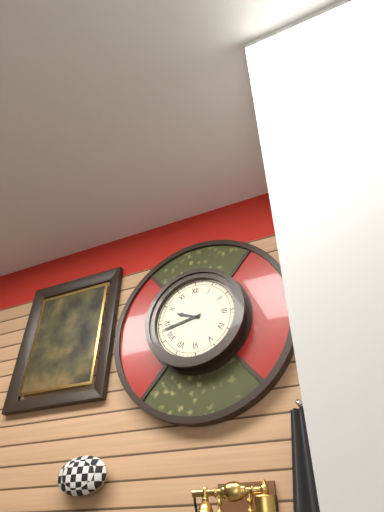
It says 9 h 43 min
